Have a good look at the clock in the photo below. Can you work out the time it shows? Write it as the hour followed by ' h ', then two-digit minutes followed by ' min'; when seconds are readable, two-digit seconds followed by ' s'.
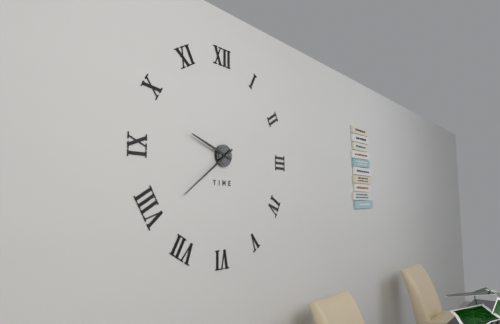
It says 9 h 39 min
